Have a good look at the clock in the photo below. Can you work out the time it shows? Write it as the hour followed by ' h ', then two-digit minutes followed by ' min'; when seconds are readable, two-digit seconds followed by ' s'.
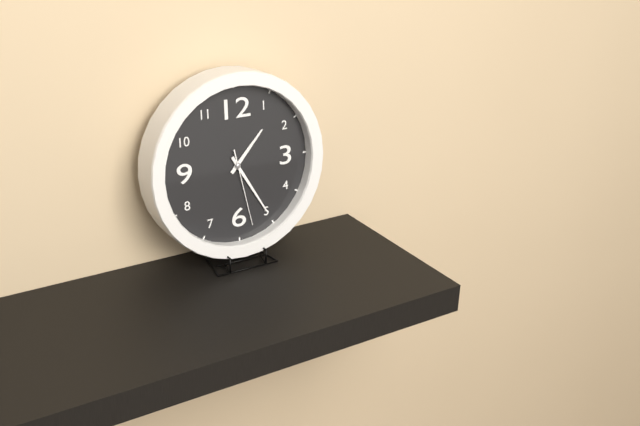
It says 1 h 25 min 28 s
